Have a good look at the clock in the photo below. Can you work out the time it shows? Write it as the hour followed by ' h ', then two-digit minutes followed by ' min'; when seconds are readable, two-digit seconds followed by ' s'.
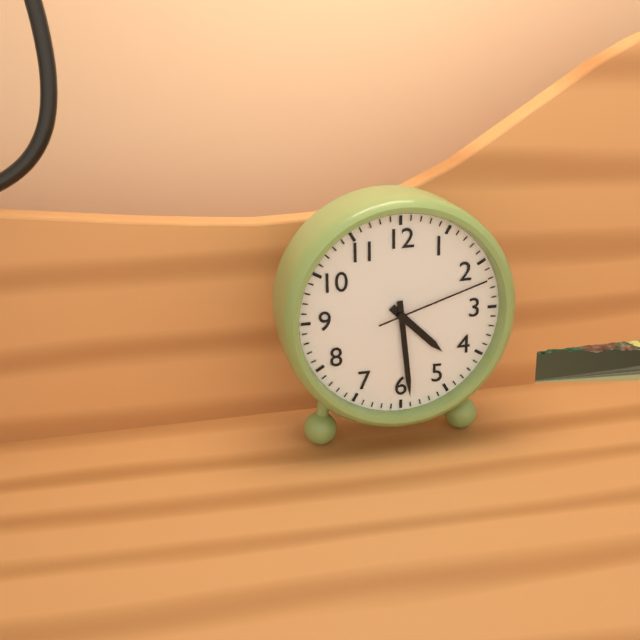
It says 4 h 29 min 12 s
